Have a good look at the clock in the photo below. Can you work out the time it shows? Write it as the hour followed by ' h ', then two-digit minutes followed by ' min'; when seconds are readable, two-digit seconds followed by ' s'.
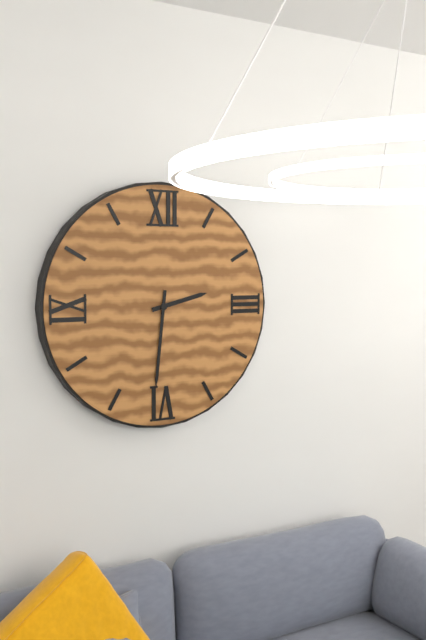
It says 2 h 31 min
